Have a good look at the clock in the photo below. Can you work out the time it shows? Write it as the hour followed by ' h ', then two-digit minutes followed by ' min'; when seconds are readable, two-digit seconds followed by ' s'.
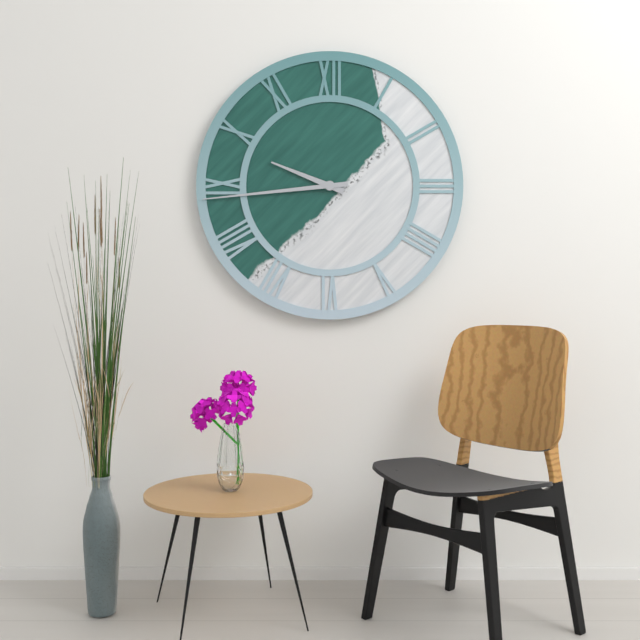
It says 9 h 44 min
